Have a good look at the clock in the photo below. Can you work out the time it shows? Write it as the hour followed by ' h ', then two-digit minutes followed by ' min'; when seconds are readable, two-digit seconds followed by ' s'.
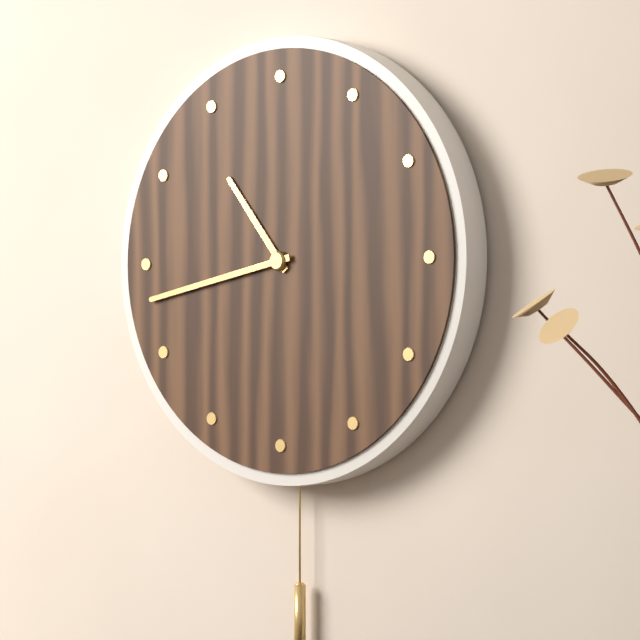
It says 10 h 43 min
